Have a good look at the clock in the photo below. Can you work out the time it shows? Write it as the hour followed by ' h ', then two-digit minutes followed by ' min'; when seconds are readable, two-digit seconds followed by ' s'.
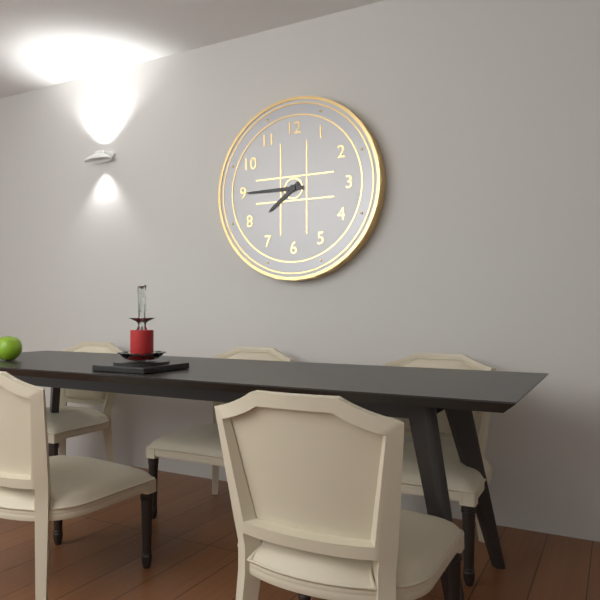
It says 7 h 45 min
